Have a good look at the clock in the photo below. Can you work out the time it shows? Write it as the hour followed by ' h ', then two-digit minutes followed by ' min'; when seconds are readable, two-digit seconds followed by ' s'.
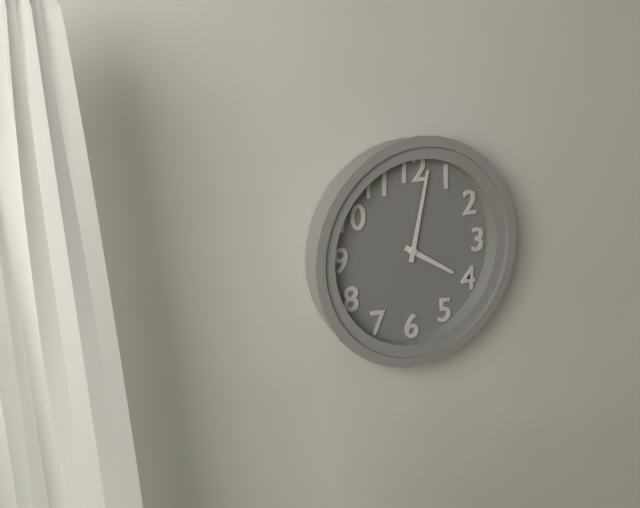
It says 4 h 02 min
